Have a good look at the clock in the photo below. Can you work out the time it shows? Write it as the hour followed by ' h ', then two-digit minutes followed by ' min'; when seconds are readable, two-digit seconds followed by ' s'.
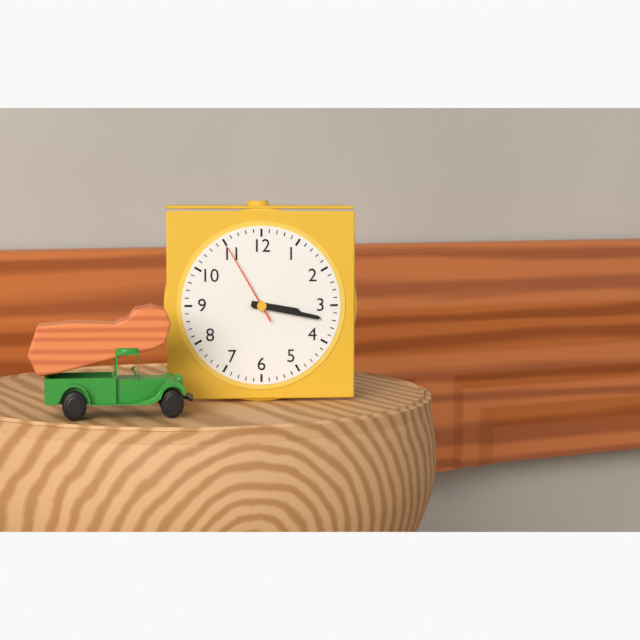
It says 3 h 17 min 55 s
